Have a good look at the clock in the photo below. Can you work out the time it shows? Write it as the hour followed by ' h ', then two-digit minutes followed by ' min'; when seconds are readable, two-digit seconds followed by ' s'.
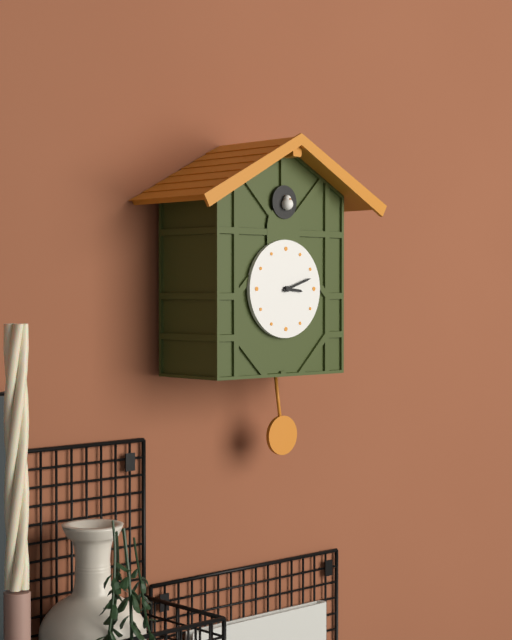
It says 3 h 12 min
